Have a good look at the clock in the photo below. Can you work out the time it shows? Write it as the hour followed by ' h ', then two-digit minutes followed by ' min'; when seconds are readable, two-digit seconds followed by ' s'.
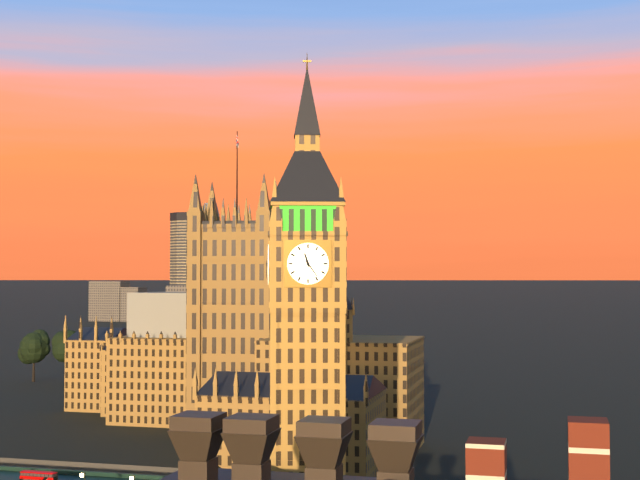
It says 11 h 24 min
